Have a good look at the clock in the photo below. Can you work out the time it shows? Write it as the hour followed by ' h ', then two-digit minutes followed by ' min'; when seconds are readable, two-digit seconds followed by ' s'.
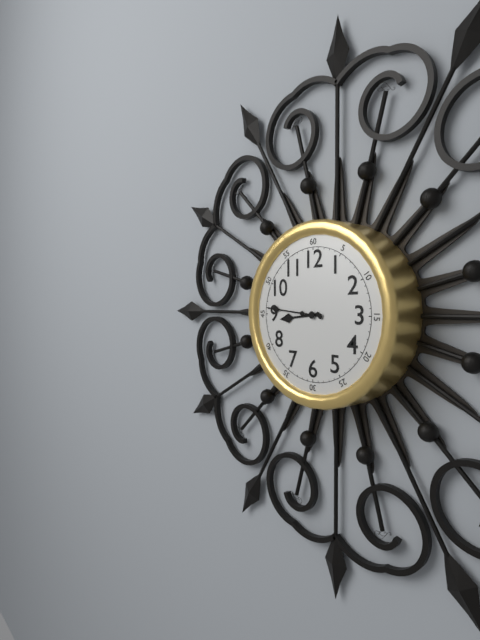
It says 8 h 46 min
